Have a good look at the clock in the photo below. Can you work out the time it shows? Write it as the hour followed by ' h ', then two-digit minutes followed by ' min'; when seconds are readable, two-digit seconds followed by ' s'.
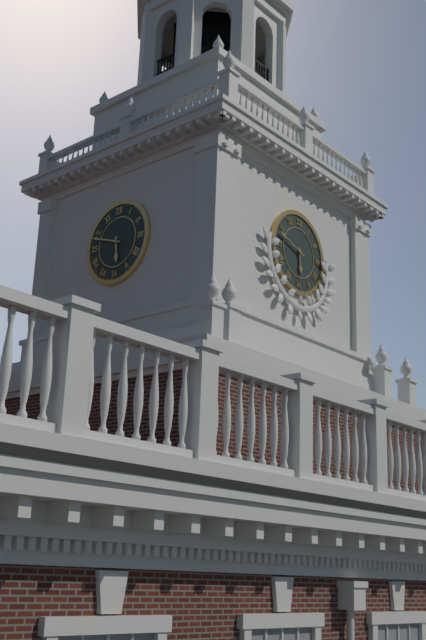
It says 5 h 48 min
